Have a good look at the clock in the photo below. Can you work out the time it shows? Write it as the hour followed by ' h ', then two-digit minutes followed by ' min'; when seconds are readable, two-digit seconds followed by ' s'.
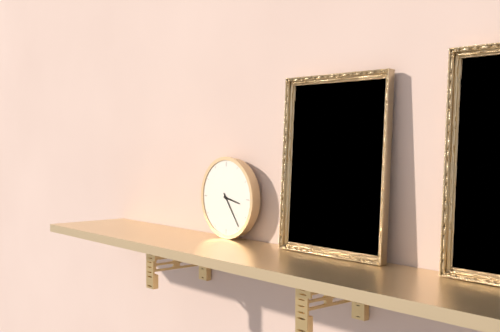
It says 3 h 24 min
